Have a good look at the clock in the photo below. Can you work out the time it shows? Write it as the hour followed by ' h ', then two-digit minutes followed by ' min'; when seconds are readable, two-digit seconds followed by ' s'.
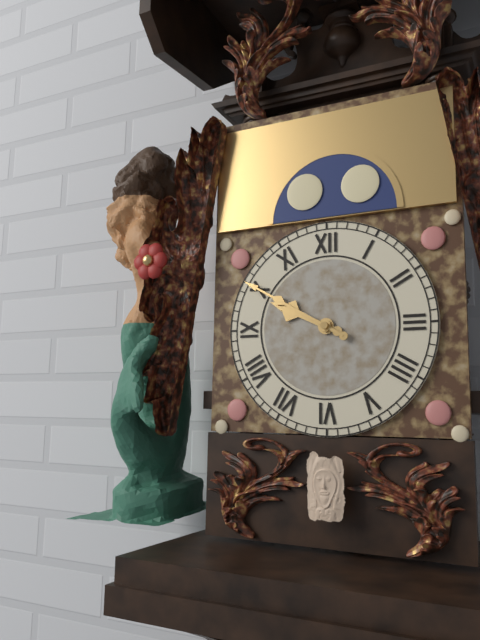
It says 9 h 50 min
